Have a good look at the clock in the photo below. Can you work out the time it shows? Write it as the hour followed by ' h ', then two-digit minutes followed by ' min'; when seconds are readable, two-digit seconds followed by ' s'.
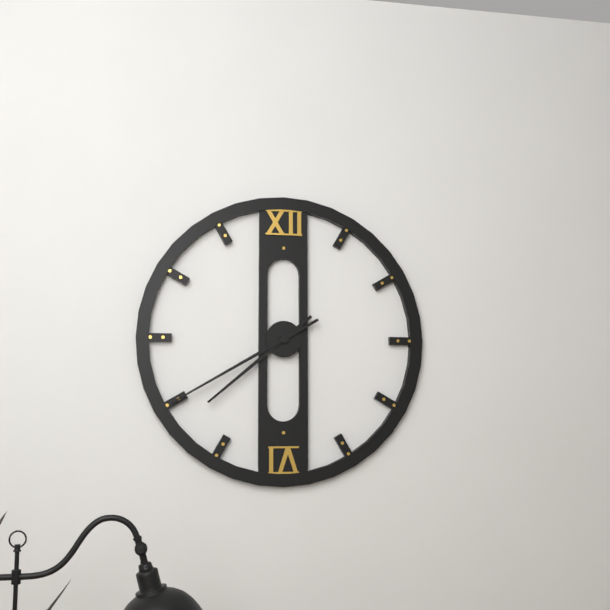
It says 7 h 40 min
